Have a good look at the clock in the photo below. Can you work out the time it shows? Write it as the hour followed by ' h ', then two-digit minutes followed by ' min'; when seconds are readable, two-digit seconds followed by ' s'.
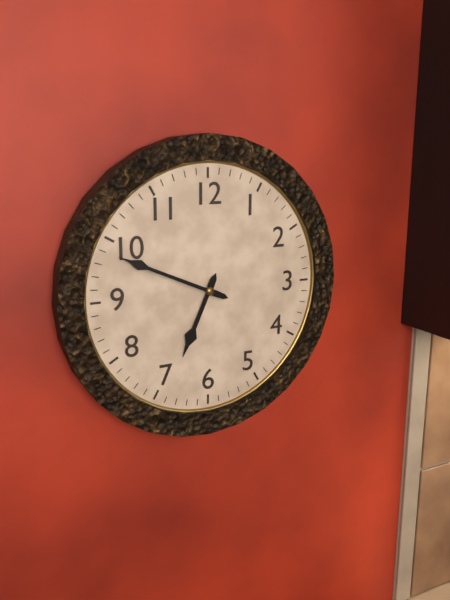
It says 6 h 49 min
